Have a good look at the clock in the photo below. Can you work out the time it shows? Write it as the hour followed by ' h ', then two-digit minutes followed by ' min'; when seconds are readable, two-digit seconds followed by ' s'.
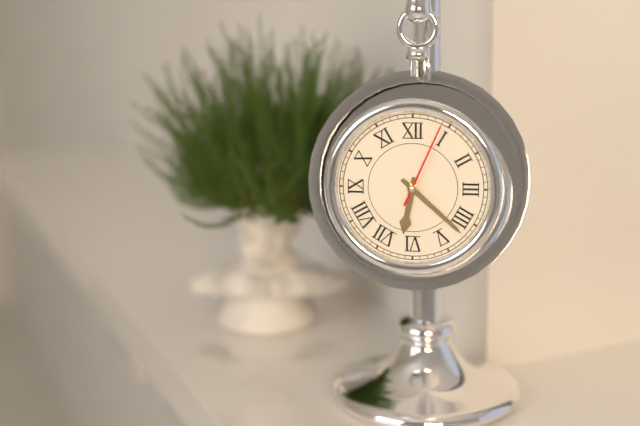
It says 6 h 22 min 04 s
